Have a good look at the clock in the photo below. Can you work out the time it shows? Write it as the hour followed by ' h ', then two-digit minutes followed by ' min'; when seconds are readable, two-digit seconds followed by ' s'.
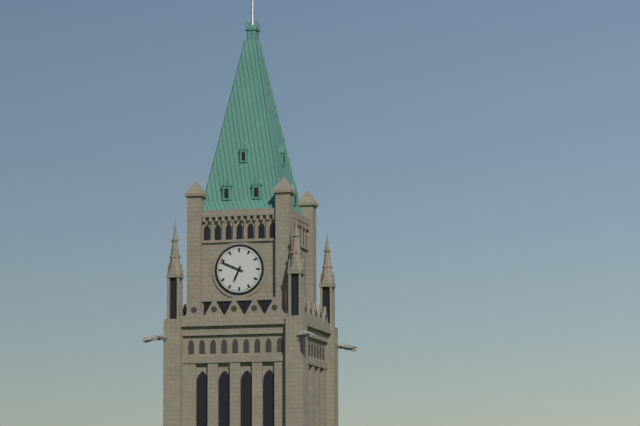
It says 6 h 49 min
